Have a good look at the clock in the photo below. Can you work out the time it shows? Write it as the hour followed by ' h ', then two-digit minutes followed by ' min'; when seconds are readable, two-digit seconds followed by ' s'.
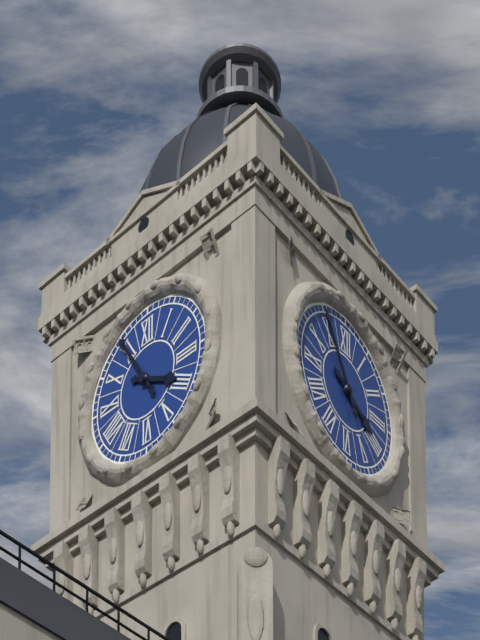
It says 3 h 55 min
